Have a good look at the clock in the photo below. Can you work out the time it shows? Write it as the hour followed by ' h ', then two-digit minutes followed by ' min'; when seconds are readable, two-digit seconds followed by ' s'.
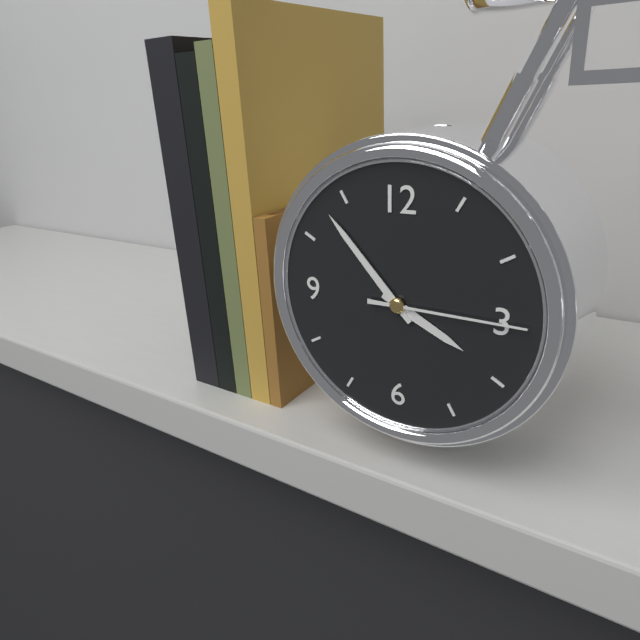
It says 3 h 53 min 15 s
